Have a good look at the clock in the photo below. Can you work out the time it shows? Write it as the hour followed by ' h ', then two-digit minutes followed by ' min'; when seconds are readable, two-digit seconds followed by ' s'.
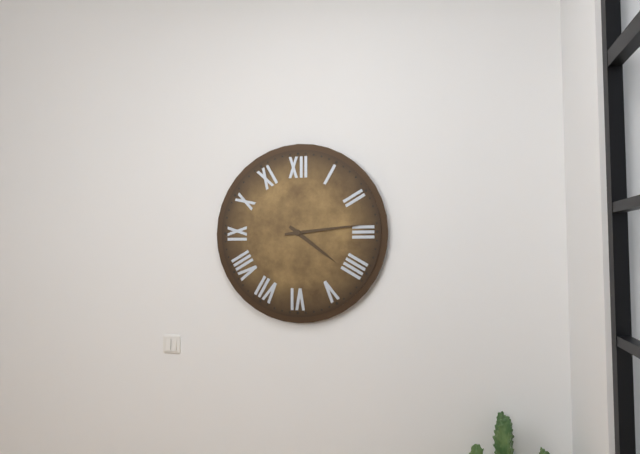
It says 4 h 14 min
